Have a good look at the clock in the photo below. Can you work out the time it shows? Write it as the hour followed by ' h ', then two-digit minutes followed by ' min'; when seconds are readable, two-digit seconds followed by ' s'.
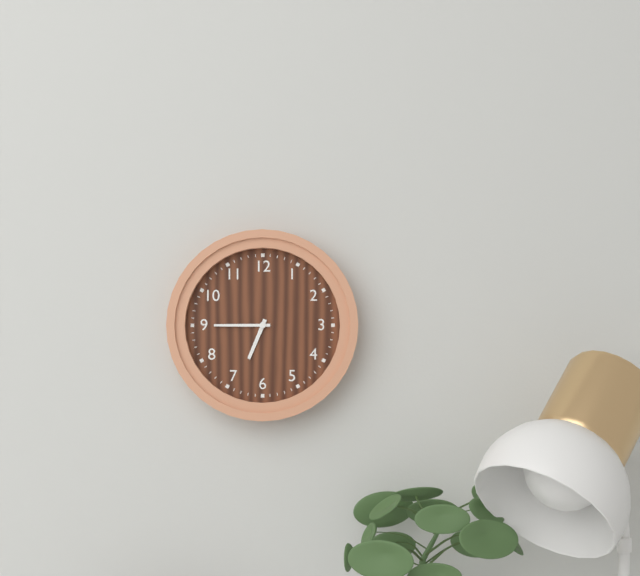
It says 6 h 45 min
